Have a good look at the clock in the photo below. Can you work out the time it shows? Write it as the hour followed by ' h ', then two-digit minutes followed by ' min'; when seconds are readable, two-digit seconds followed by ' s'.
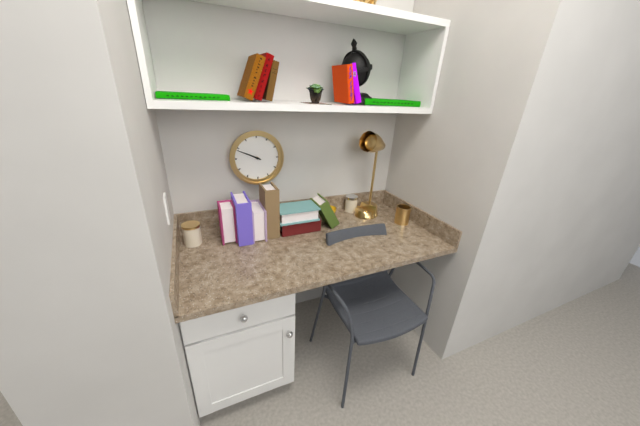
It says 9 h 49 min
